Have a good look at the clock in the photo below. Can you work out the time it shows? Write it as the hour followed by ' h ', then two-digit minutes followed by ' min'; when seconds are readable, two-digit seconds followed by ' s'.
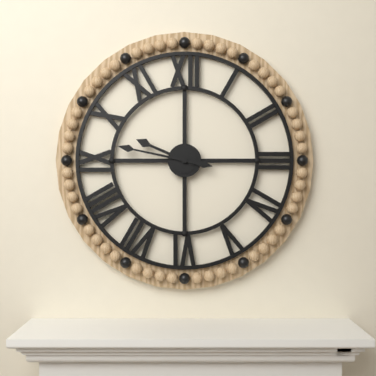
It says 9 h 47 min
